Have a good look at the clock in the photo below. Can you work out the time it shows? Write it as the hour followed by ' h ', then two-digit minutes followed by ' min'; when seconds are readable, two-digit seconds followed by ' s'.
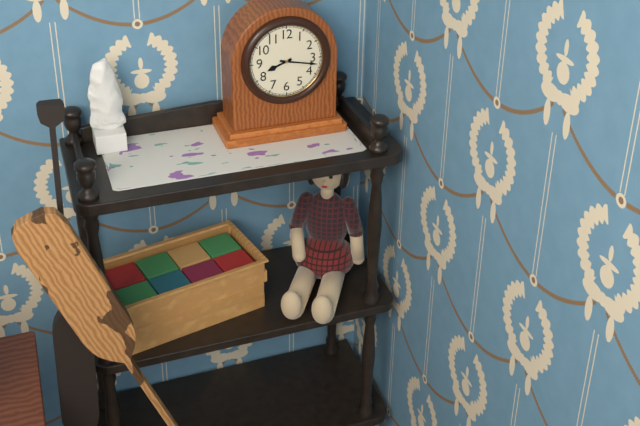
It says 8 h 17 min
